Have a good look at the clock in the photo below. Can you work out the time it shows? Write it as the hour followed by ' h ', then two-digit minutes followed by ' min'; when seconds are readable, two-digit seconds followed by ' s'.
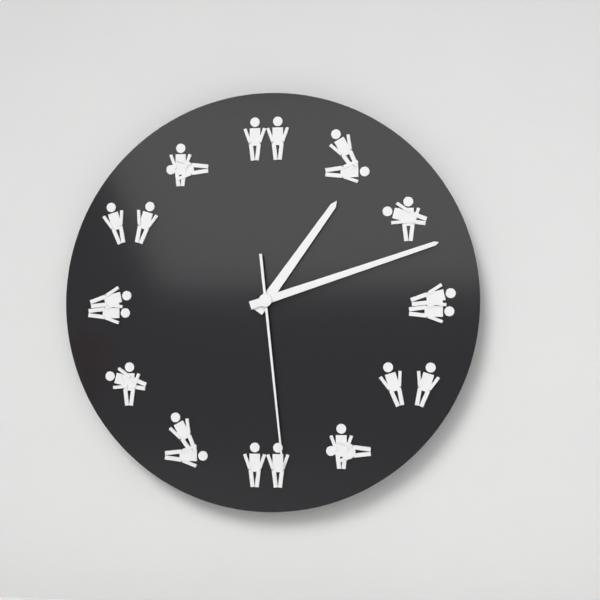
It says 1 h 12 min 29 s
